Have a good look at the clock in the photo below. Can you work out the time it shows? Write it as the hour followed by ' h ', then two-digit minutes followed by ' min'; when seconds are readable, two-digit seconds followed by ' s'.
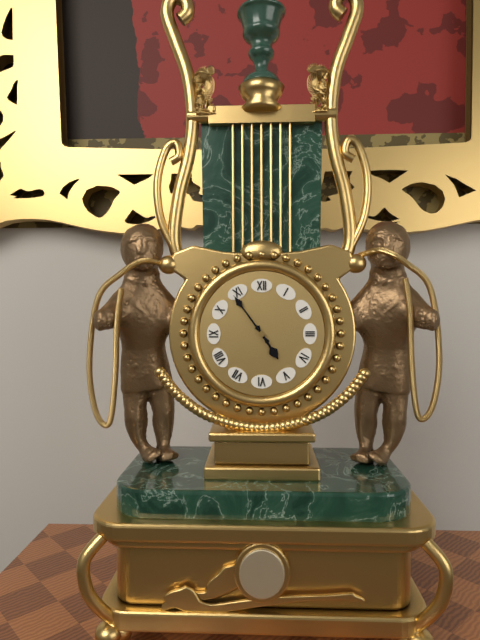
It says 4 h 54 min
